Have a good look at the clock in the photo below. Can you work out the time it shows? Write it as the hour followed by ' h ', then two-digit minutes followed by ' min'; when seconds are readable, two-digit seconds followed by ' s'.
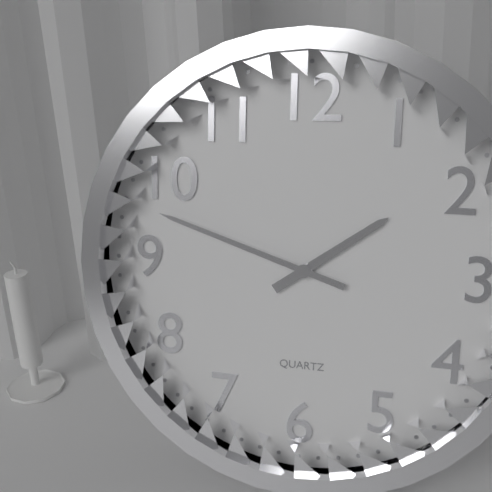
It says 1 h 48 min
